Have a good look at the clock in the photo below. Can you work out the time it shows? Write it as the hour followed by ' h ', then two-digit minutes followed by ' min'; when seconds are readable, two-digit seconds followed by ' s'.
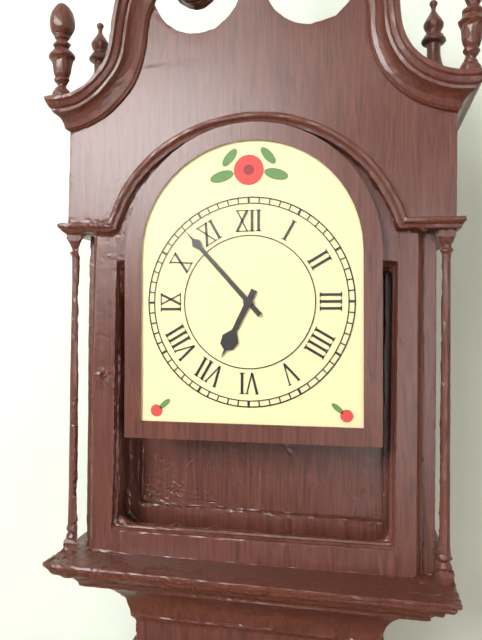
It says 6 h 53 min
